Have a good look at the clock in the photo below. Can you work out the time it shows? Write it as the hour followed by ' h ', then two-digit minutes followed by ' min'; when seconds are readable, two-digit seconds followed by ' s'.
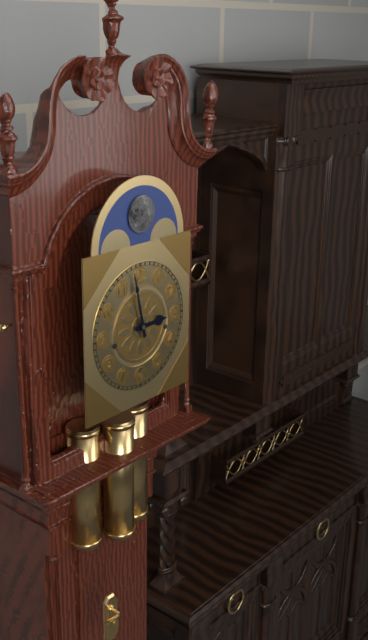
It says 2 h 58 min
